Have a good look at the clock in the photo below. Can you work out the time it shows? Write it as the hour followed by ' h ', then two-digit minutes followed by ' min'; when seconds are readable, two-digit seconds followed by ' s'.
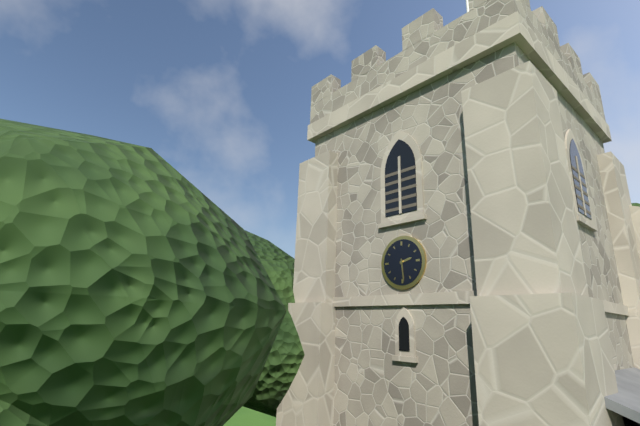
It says 2 h 29 min
